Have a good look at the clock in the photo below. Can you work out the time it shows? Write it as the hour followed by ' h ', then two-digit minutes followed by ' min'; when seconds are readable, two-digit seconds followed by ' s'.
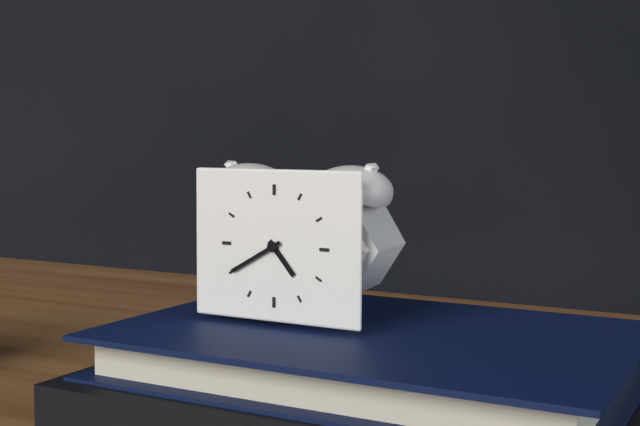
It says 4 h 40 min
